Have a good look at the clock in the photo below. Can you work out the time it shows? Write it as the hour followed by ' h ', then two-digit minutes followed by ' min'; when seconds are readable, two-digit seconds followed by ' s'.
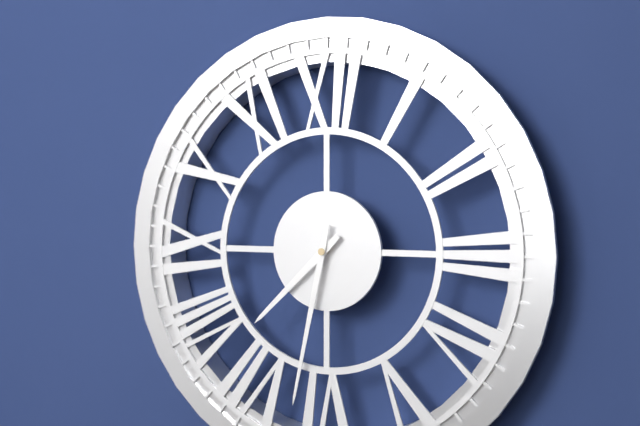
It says 7 h 32 min
